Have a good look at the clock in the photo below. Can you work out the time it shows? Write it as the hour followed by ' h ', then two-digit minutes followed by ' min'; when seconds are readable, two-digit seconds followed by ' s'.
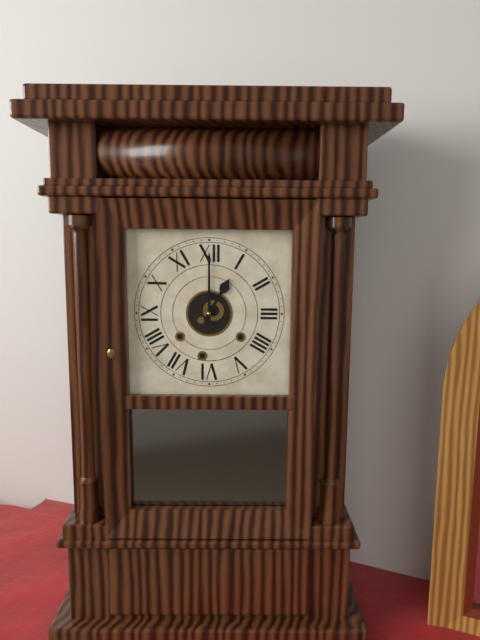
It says 1 h 00 min
